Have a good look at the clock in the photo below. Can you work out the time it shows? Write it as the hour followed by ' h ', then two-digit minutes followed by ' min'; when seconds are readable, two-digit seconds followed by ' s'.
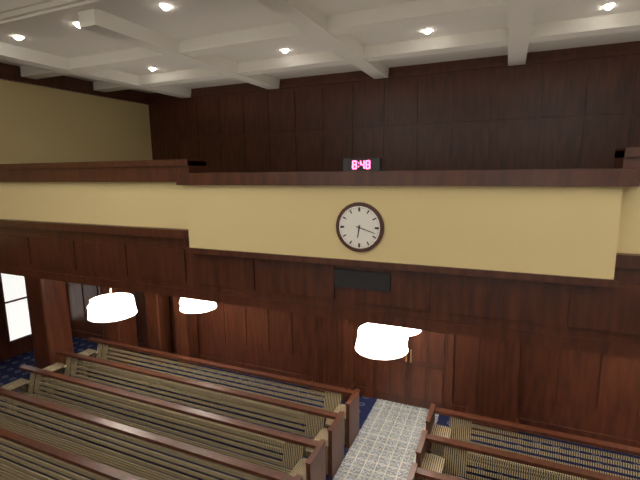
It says 6 h 18 min
